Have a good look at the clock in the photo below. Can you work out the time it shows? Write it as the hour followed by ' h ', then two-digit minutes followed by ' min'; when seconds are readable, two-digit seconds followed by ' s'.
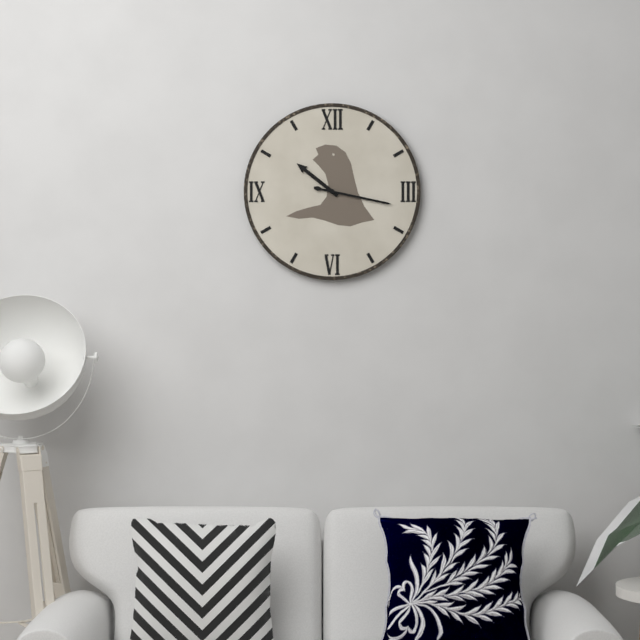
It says 10 h 17 min
